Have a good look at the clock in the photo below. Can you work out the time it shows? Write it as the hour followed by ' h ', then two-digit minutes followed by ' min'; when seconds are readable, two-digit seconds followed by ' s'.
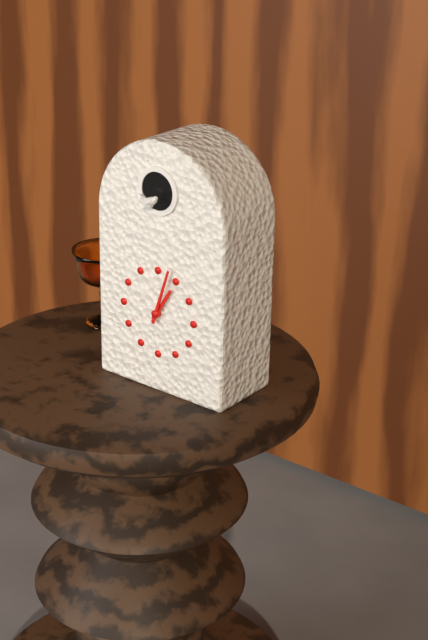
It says 1 h 03 min
